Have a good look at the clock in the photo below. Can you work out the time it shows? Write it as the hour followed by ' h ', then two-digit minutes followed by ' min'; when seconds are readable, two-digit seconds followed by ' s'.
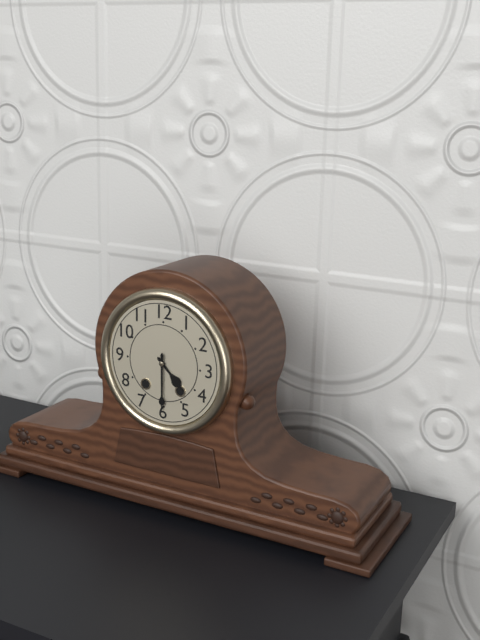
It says 4 h 30 min
